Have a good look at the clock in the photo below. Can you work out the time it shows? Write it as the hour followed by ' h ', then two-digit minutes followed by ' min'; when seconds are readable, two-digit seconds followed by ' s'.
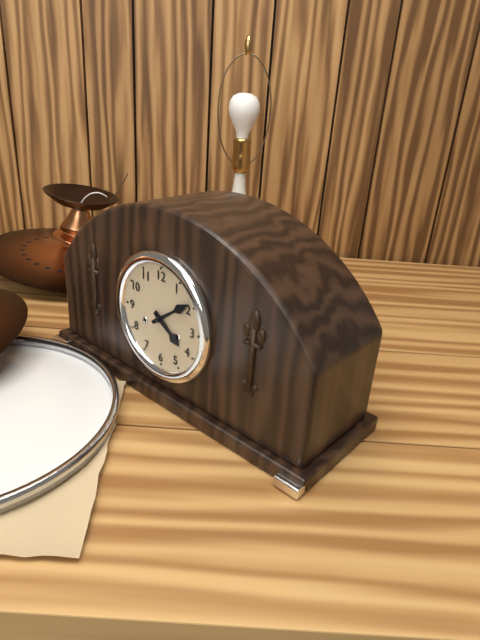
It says 4 h 09 min
